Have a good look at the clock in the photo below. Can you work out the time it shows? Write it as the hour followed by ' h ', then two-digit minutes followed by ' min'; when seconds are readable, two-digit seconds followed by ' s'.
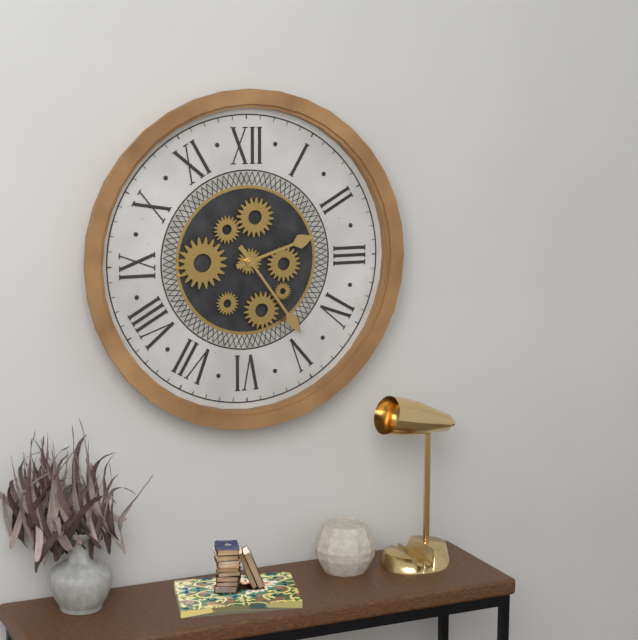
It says 2 h 24 min
